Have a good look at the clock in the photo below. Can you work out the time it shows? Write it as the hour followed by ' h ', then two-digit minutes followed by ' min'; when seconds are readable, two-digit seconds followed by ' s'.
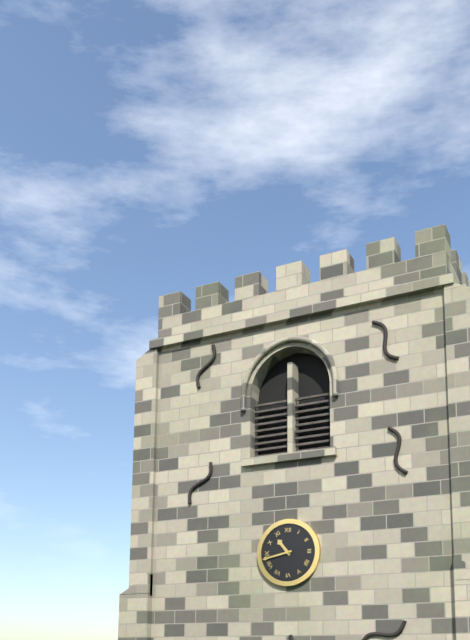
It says 10 h 43 min
